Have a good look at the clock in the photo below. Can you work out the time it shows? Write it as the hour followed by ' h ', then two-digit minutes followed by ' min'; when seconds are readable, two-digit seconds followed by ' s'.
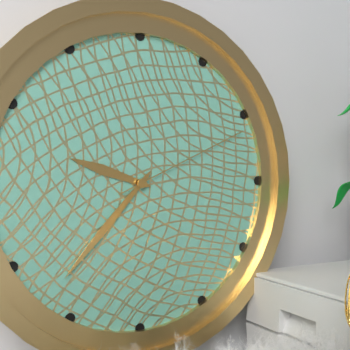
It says 9 h 37 min 11 s
